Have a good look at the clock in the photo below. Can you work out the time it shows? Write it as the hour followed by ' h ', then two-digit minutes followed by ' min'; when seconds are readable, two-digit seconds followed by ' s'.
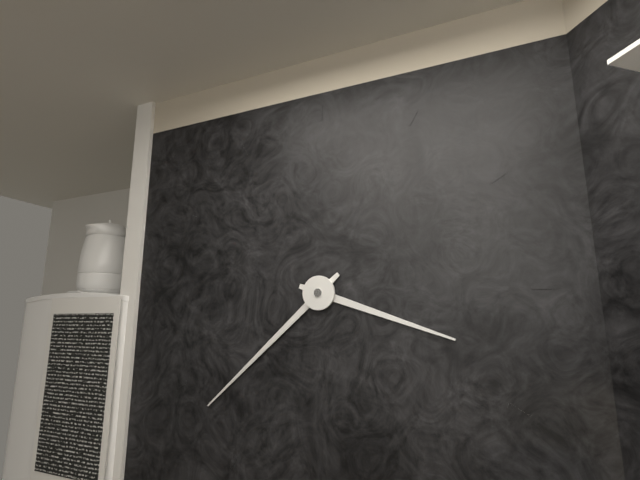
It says 3 h 38 min
